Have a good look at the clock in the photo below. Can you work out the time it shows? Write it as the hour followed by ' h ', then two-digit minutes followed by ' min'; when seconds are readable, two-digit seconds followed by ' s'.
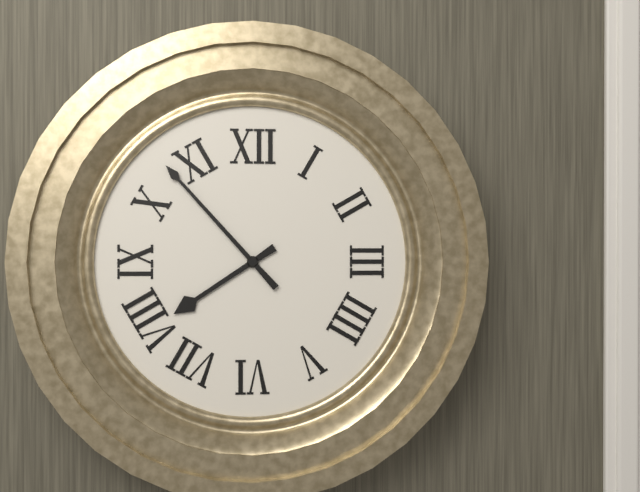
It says 7 h 53 min
